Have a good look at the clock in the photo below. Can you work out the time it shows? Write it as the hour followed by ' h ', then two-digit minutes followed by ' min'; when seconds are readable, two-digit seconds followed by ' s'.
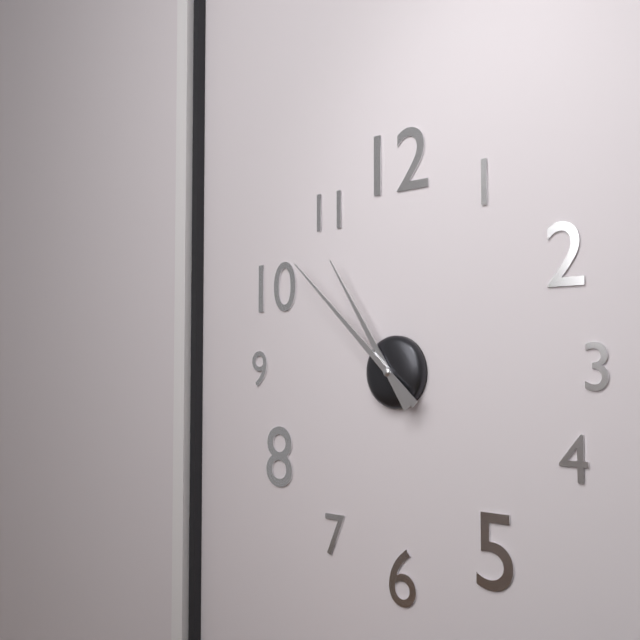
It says 10 h 52 min
